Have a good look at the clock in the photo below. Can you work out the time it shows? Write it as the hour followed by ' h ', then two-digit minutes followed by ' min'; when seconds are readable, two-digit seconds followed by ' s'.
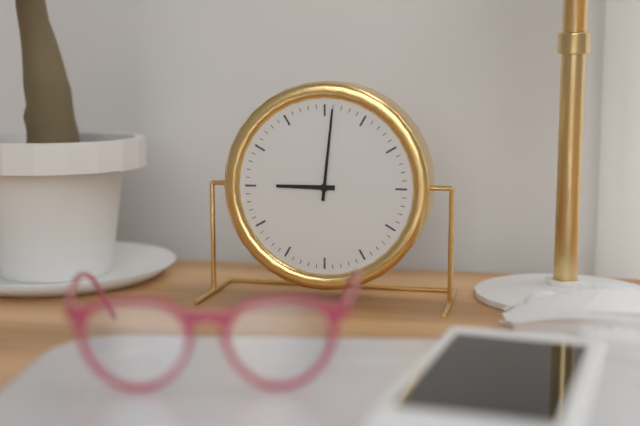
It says 9 h 01 min
